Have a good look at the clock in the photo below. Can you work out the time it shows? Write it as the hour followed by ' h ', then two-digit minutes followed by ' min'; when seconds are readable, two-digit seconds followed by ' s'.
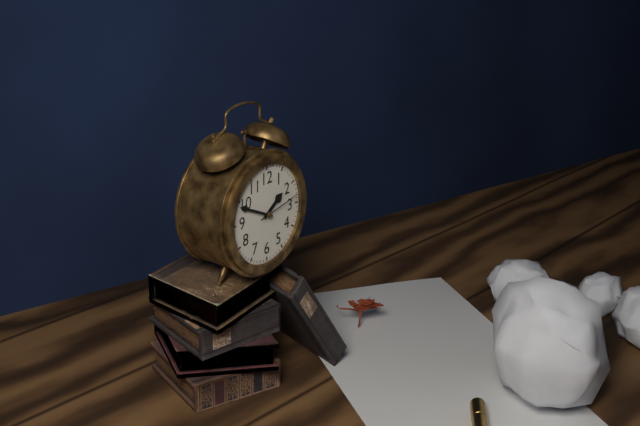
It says 1 h 49 min
